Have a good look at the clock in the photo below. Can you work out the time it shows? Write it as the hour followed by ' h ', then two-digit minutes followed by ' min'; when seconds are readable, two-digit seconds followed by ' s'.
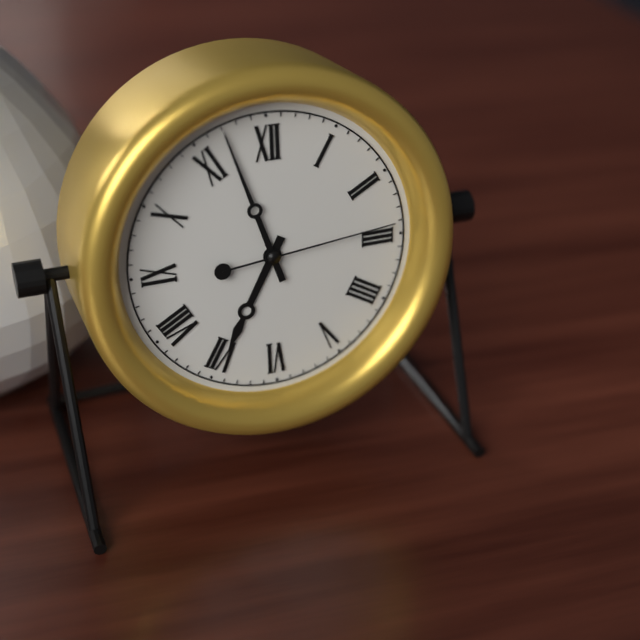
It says 6 h 57 min 14 s
